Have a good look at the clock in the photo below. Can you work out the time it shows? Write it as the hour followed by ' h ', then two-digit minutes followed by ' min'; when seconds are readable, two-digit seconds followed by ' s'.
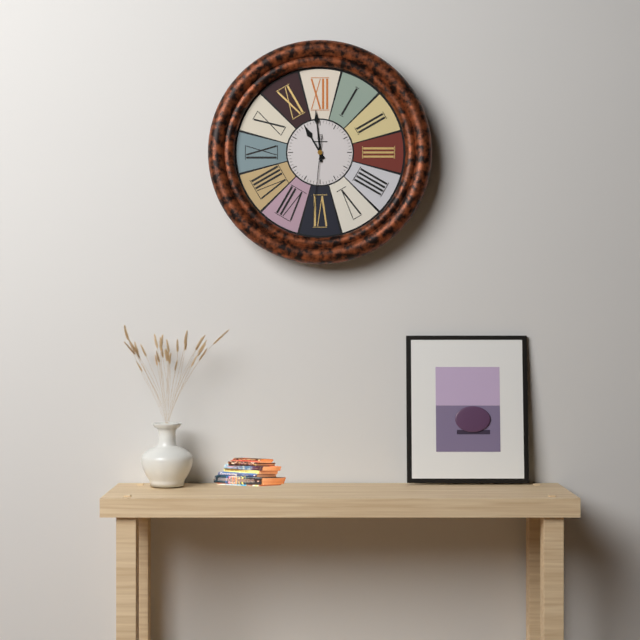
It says 10 h 59 min 31 s
